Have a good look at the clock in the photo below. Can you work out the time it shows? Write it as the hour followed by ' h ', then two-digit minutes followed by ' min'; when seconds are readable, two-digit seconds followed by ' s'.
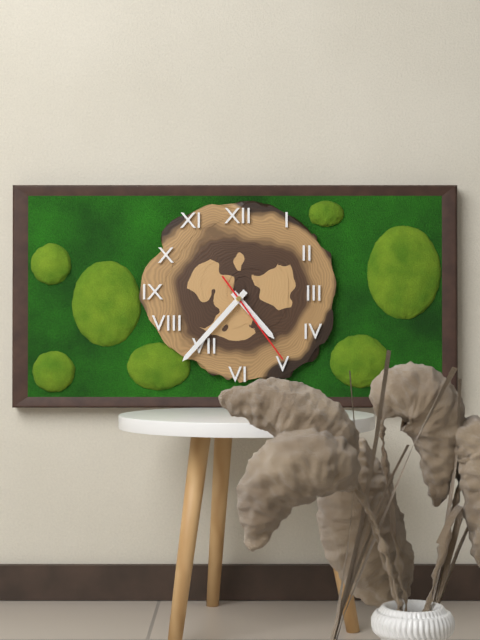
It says 4 h 37 min 24 s
